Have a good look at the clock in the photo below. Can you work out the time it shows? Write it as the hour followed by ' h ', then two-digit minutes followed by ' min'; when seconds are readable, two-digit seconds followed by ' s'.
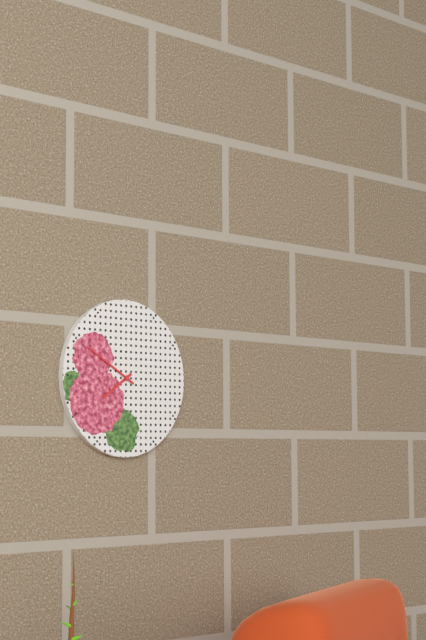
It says 7 h 50 min
